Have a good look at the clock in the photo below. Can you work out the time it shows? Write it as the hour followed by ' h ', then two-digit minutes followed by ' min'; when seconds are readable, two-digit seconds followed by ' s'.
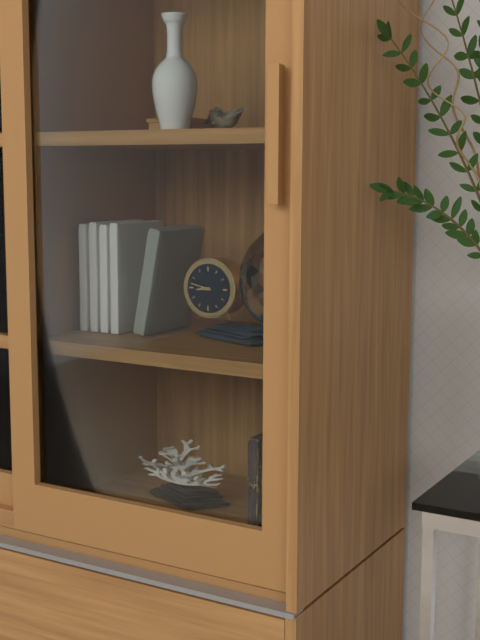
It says 8 h 47 min
